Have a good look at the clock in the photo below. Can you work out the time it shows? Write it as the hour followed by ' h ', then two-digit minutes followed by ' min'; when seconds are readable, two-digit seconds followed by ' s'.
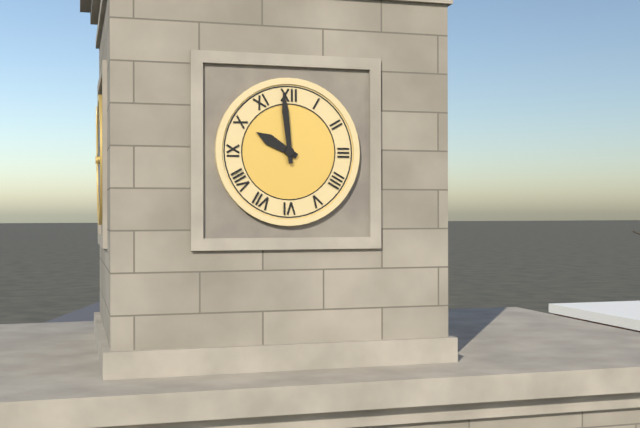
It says 9 h 59 min
